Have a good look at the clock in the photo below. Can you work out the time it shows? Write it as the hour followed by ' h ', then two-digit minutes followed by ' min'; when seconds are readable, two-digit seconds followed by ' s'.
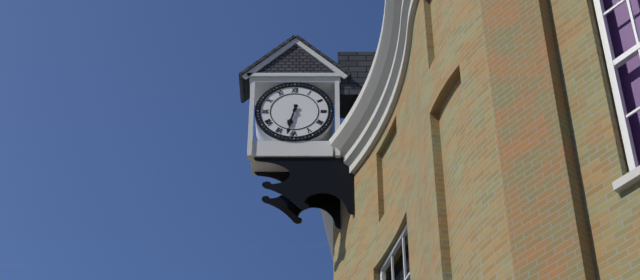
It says 6 h 32 min
